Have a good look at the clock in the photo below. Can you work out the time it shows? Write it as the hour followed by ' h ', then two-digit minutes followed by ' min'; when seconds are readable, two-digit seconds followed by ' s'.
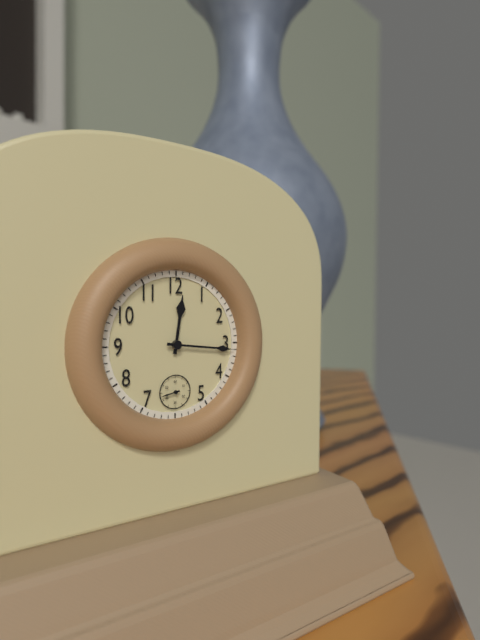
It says 12 h 16 min
